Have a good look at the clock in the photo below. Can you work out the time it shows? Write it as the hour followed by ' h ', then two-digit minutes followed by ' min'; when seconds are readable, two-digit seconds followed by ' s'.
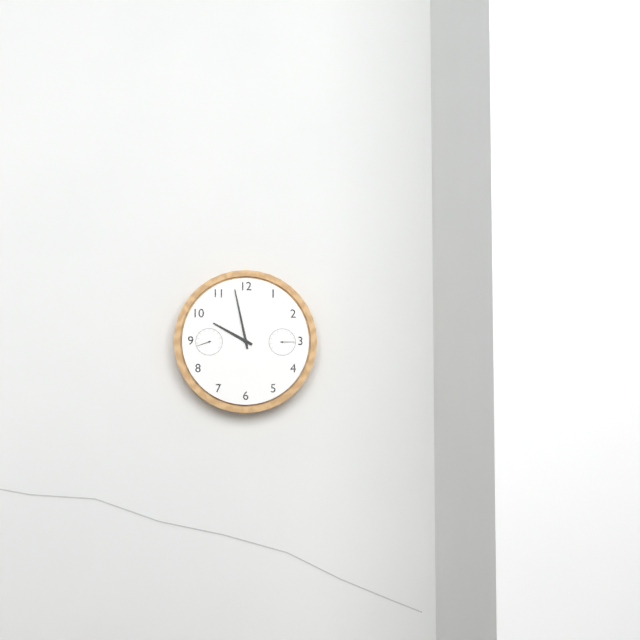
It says 9 h 58 min
